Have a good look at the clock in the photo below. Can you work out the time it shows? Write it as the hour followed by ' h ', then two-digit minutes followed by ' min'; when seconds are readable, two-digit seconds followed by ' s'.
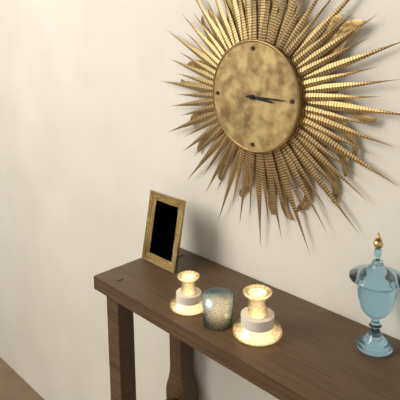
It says 3 h 15 min
